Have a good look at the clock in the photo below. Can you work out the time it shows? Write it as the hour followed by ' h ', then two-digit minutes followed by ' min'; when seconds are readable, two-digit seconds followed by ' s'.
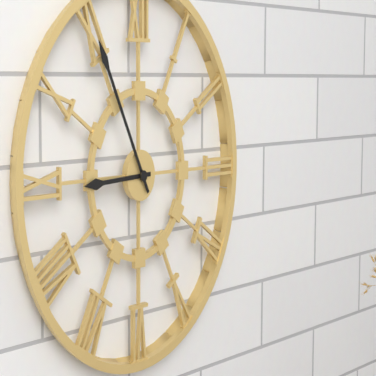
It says 8 h 55 min
